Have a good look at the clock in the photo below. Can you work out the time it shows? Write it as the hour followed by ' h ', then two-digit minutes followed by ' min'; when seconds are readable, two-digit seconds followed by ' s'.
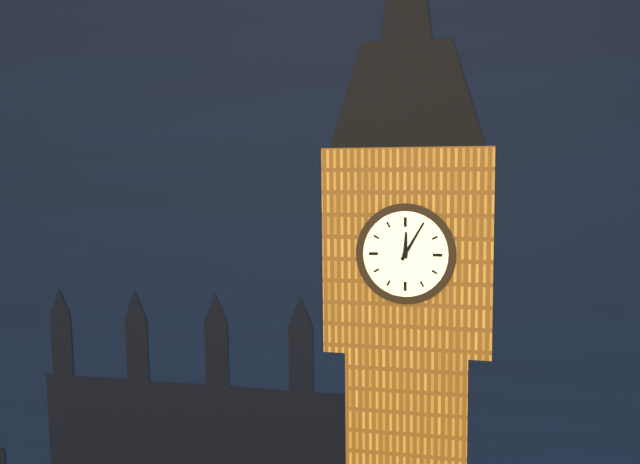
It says 12 h 05 min
